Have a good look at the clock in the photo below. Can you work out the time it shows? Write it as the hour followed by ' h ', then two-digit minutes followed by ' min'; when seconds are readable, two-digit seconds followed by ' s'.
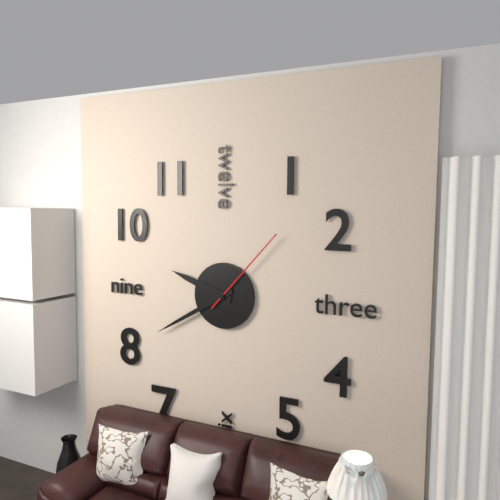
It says 9 h 40 min 07 s
